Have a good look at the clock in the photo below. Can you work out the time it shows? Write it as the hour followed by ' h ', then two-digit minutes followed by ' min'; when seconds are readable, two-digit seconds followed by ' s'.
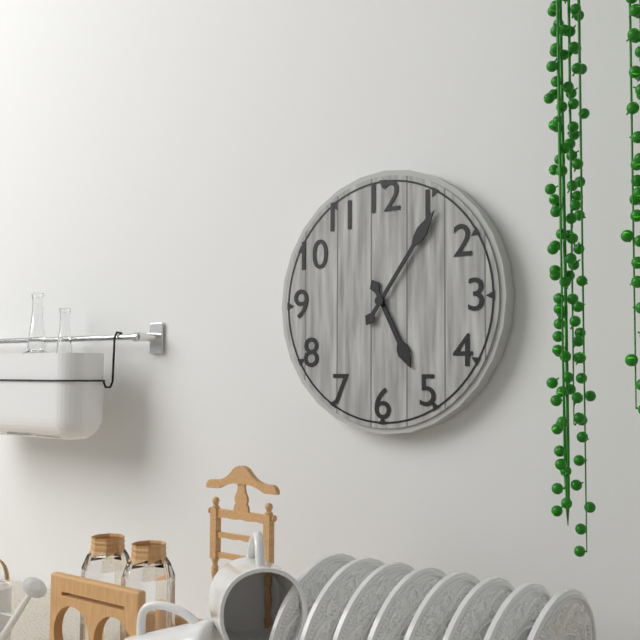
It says 5 h 06 min
